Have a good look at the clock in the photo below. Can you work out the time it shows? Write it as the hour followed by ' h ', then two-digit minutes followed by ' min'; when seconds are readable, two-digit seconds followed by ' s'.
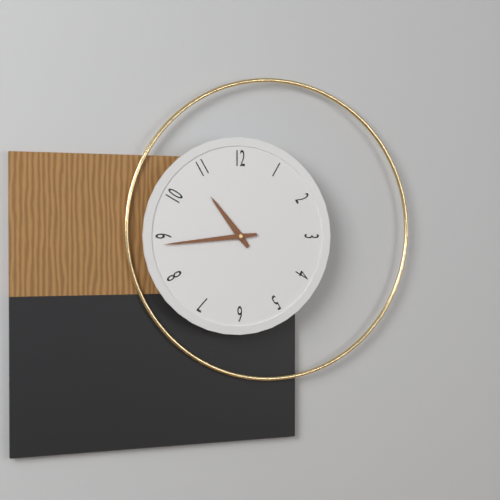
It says 10 h 44 min
